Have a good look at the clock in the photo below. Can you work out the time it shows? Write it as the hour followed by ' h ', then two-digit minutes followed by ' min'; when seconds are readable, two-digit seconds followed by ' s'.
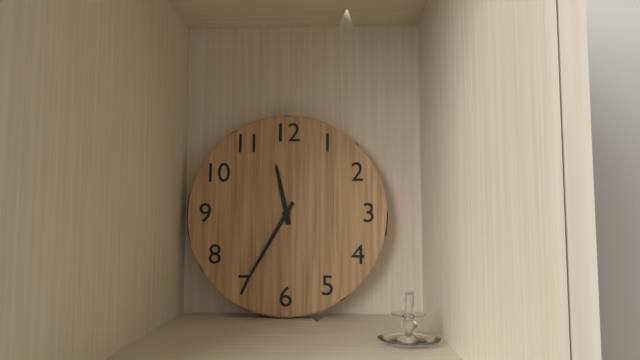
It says 11 h 35 min
